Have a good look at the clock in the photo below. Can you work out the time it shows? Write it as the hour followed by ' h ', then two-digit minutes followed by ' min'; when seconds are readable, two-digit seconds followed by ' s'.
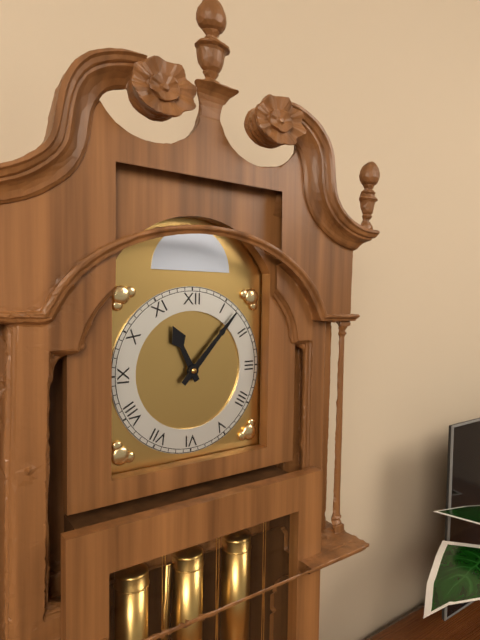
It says 11 h 07 min
